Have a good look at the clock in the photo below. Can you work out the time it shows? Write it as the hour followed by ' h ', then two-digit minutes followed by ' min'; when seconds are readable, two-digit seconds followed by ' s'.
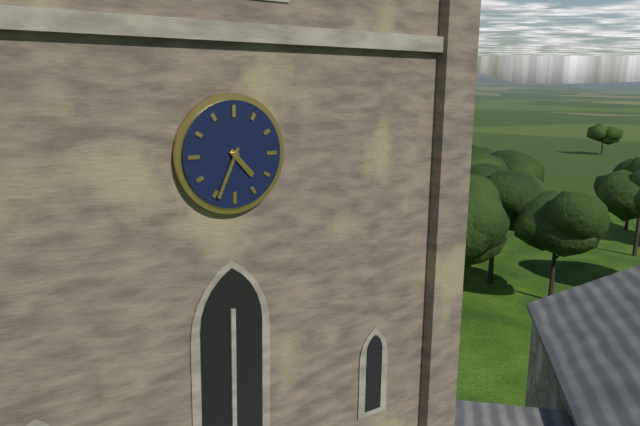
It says 4 h 34 min
